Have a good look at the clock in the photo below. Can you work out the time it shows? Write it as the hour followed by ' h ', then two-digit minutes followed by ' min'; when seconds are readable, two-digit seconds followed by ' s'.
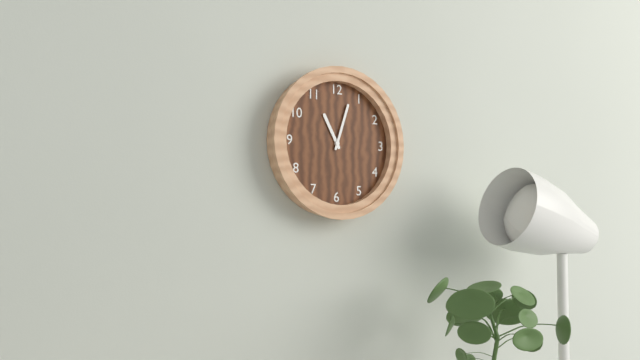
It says 11 h 03 min
